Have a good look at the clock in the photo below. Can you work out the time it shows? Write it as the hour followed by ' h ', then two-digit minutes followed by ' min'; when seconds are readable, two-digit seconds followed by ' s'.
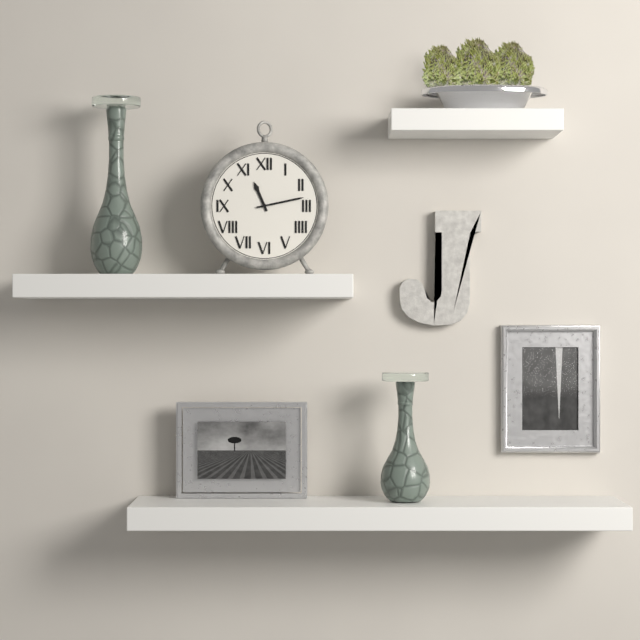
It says 11 h 13 min
